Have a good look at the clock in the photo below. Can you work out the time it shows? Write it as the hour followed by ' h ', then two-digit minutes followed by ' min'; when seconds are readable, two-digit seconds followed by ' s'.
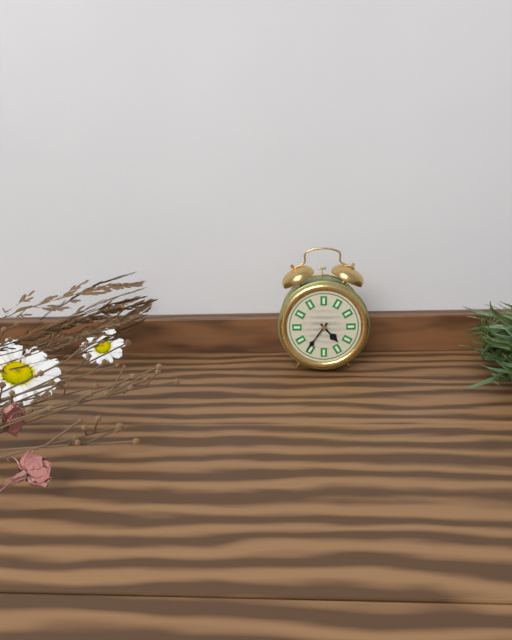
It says 4 h 36 min
